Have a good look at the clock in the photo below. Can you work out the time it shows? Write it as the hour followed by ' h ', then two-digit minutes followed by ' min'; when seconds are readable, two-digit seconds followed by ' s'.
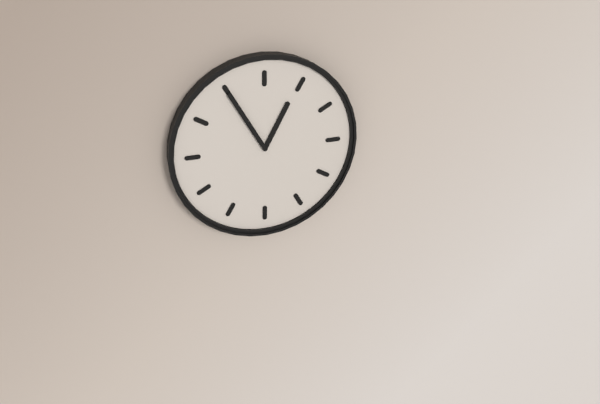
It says 12 h 55 min
